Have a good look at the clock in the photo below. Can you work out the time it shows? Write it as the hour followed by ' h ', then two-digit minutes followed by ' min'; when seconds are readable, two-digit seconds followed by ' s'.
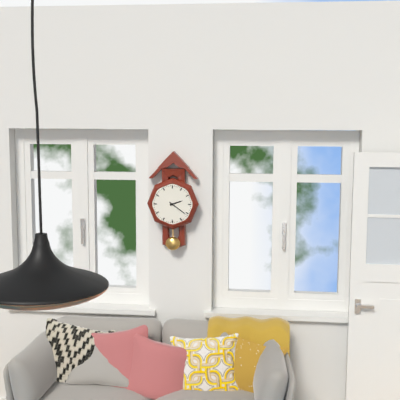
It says 2 h 21 min
